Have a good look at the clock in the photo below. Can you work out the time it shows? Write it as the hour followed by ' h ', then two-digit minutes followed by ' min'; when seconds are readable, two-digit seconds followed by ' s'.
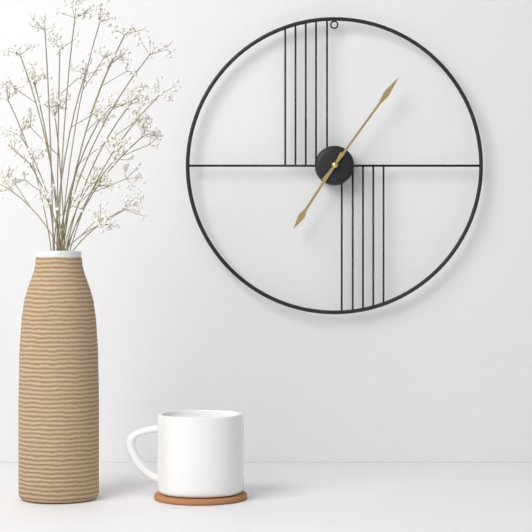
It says 7 h 06 min
